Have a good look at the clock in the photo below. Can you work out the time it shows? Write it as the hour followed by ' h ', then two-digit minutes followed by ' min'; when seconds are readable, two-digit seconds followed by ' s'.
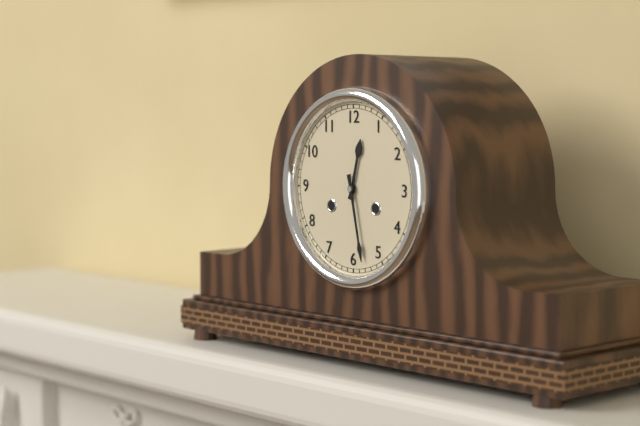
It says 12 h 28 min
